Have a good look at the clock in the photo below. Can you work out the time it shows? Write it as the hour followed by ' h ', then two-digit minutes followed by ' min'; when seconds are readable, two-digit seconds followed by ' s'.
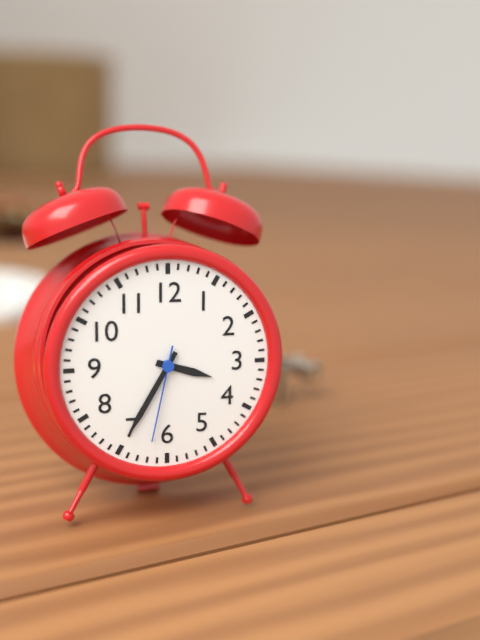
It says 3 h 35 min 32 s
